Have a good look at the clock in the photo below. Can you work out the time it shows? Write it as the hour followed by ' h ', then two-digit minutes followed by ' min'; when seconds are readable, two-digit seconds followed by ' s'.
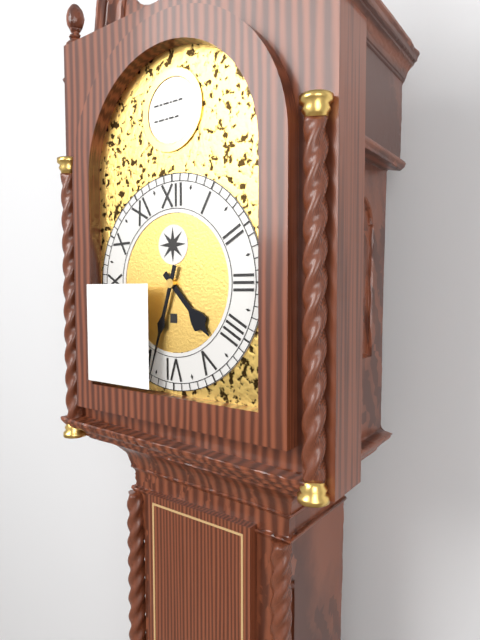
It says 4 h 33 min
